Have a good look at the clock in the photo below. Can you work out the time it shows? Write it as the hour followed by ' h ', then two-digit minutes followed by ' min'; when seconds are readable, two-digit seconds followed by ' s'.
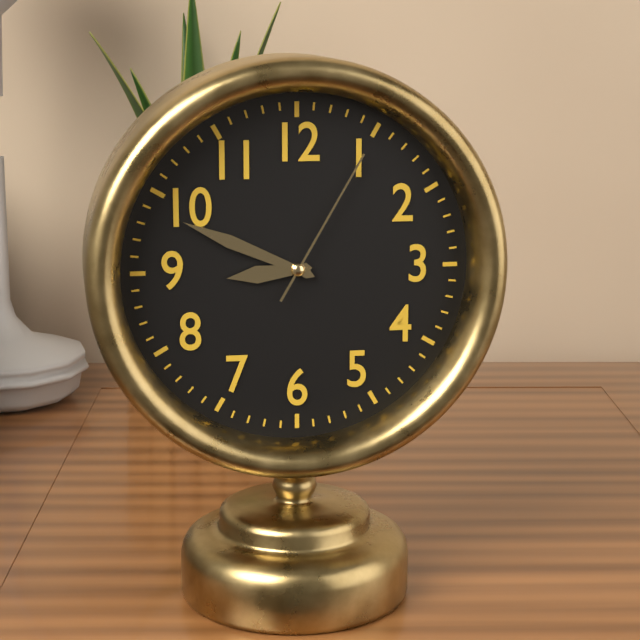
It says 8 h 49 min 05 s
